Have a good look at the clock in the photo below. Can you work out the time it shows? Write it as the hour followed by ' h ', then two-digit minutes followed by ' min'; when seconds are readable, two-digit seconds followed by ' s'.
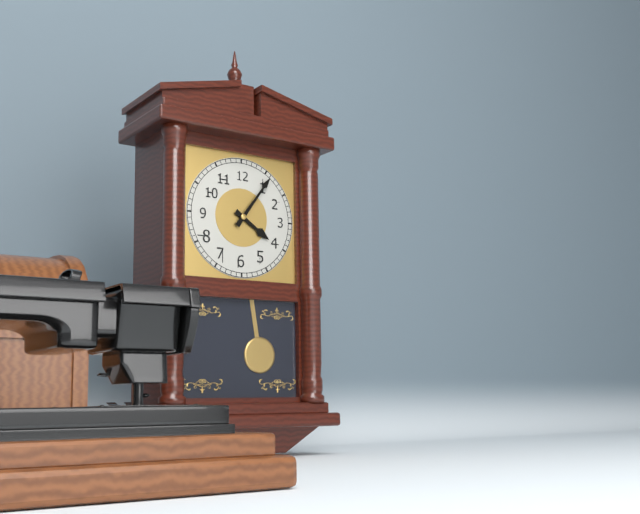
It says 4 h 06 min
